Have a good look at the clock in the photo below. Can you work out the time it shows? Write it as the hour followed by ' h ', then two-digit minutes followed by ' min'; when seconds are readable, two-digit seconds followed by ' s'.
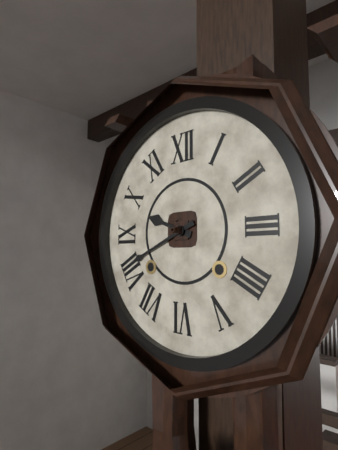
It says 9 h 41 min
